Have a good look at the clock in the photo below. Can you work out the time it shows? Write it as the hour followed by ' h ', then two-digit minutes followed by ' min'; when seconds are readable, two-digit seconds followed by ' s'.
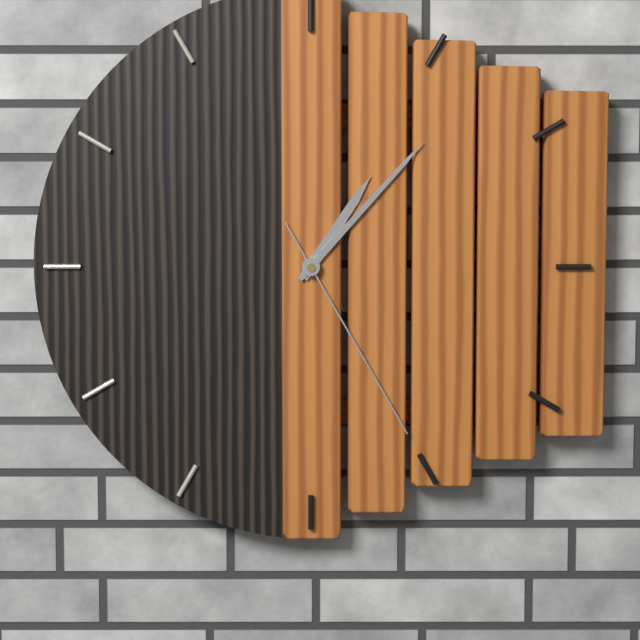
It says 1 h 07 min 25 s
